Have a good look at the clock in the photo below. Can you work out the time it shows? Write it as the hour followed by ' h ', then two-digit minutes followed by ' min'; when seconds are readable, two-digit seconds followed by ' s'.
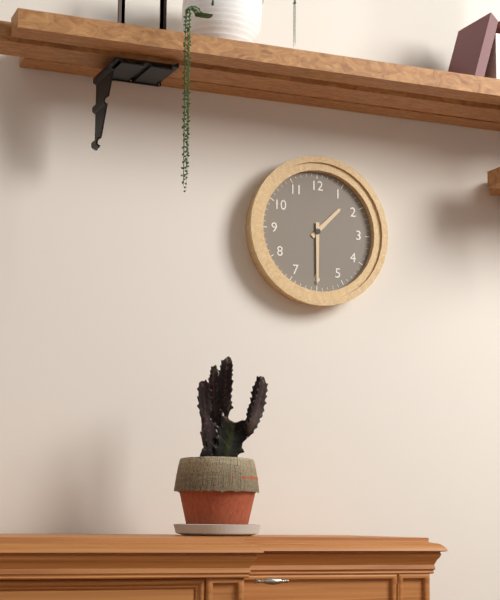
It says 1 h 30 min
